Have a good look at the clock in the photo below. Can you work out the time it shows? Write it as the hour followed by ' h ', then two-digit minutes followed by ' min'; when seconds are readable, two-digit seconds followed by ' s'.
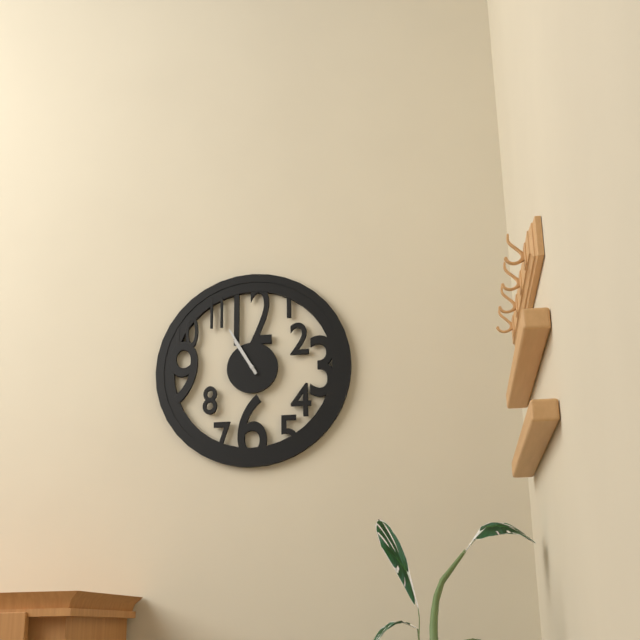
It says 10 h 55 min
